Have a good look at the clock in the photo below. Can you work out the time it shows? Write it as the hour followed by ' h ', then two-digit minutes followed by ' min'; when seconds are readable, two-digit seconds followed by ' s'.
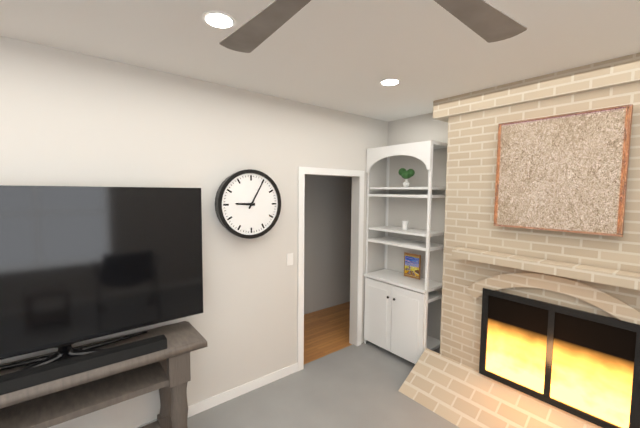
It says 9 h 05 min
